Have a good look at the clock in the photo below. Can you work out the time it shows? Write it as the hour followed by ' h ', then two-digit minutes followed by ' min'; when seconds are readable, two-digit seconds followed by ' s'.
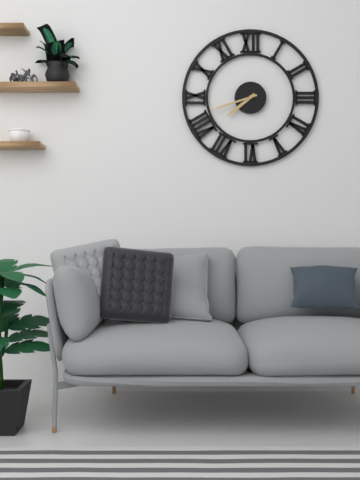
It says 7 h 42 min
